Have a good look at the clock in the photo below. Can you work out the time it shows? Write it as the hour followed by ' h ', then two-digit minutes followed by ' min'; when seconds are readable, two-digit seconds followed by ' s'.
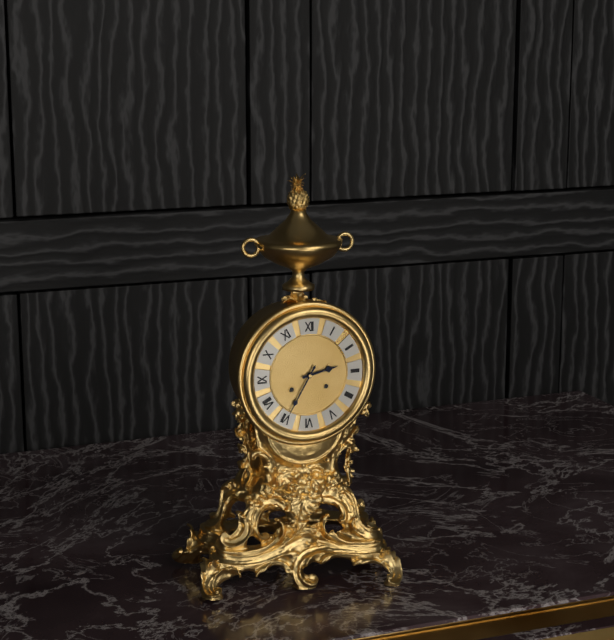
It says 2 h 35 min
